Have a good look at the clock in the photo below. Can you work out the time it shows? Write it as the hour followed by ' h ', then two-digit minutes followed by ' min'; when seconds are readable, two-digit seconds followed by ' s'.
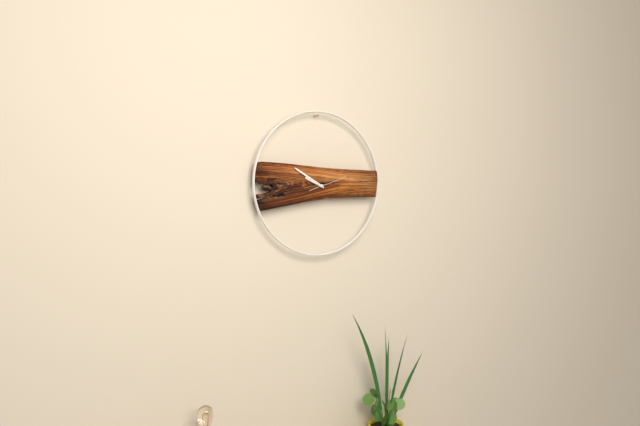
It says 9 h 50 min
